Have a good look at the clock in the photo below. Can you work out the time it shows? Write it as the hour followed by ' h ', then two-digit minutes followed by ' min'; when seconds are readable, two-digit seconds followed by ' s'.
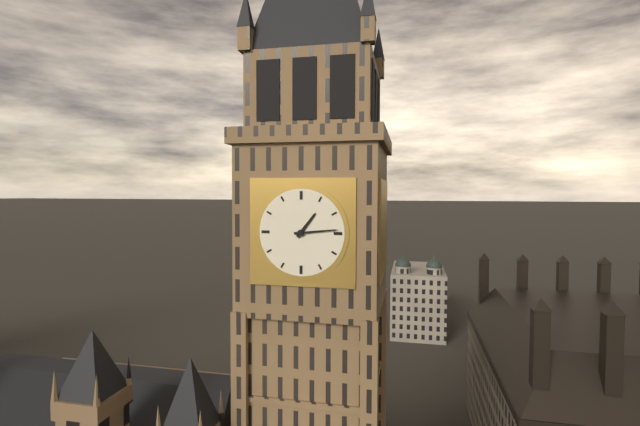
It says 1 h 14 min
